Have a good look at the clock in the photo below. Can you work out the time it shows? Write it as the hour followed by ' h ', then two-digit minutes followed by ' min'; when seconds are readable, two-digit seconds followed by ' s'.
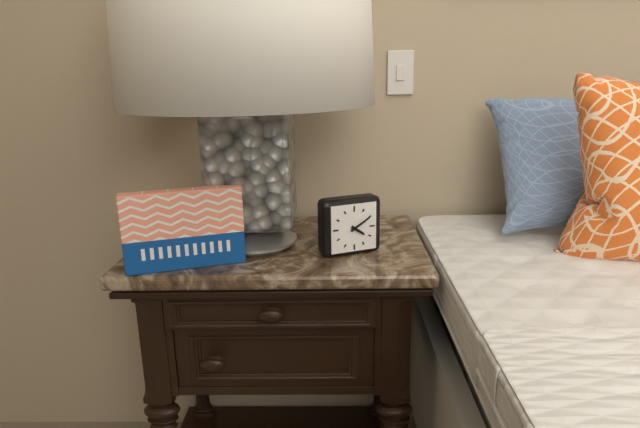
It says 4 h 10 min
